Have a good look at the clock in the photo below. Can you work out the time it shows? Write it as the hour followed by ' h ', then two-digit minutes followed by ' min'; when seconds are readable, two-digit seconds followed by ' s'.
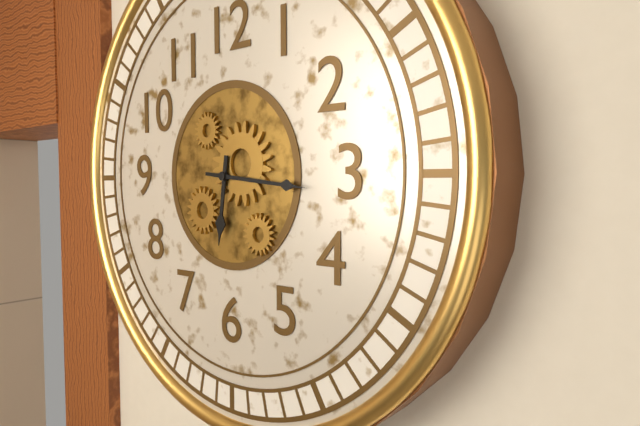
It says 6 h 16 min
